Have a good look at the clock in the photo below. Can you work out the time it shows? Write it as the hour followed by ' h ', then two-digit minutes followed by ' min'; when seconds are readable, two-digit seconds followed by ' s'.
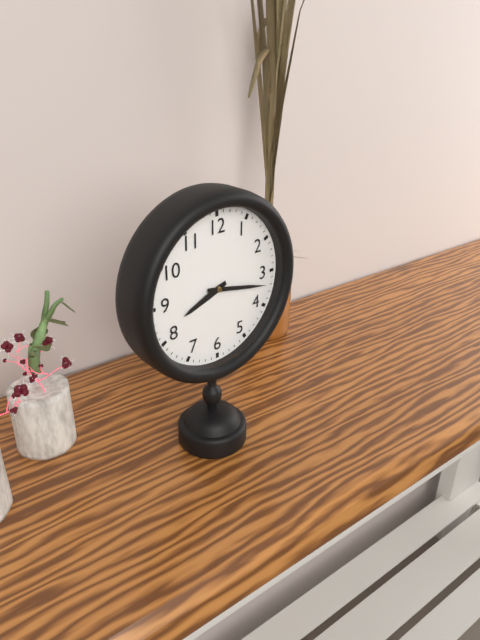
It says 8 h 17 min
